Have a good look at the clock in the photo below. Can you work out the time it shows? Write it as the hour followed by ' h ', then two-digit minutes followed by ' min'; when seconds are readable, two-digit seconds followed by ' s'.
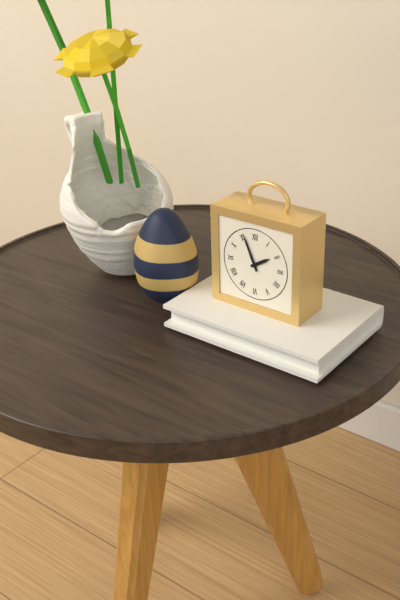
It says 1 h 56 min
